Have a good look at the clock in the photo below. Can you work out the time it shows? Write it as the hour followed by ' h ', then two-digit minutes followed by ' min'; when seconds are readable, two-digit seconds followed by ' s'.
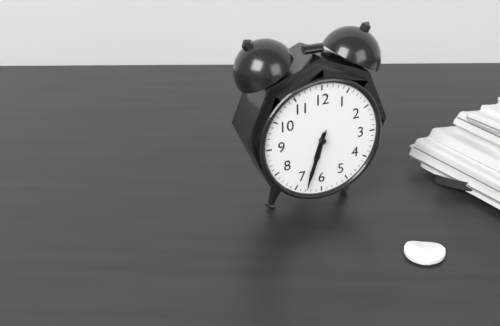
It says 6 h 33 min 33 s
